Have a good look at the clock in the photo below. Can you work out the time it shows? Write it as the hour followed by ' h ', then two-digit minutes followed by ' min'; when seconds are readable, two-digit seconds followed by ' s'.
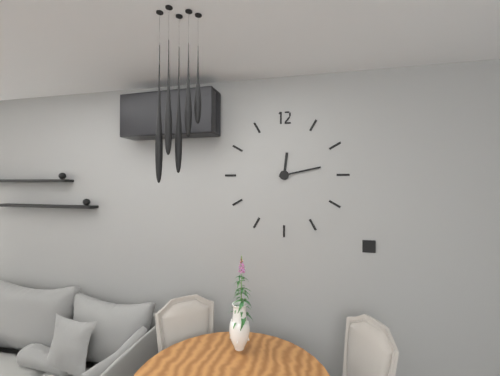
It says 12 h 13 min
